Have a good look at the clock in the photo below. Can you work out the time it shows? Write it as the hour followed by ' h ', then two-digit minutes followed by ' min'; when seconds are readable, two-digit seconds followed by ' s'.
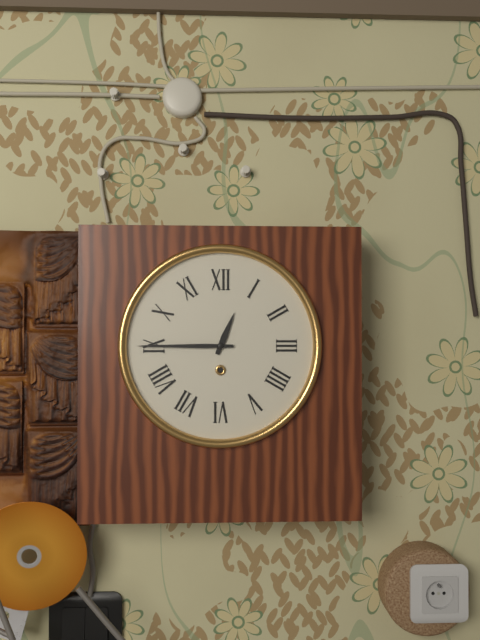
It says 12 h 45 min
